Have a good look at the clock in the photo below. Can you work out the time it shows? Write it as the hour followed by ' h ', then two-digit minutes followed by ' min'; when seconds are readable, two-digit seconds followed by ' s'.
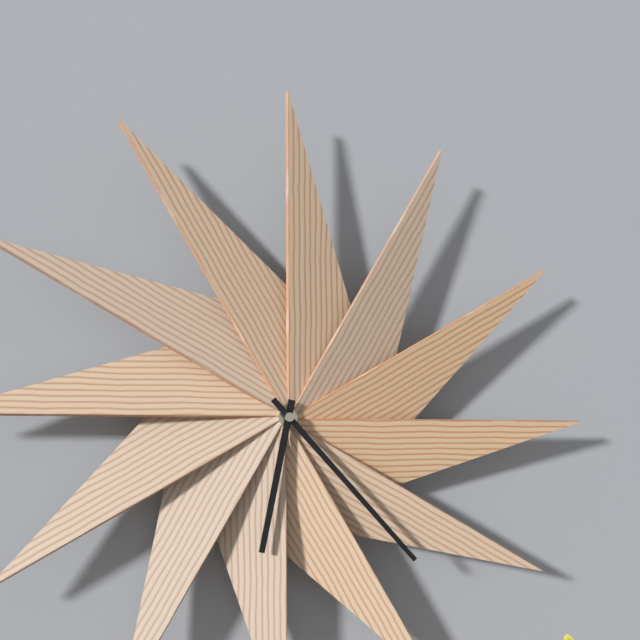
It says 6 h 23 min
